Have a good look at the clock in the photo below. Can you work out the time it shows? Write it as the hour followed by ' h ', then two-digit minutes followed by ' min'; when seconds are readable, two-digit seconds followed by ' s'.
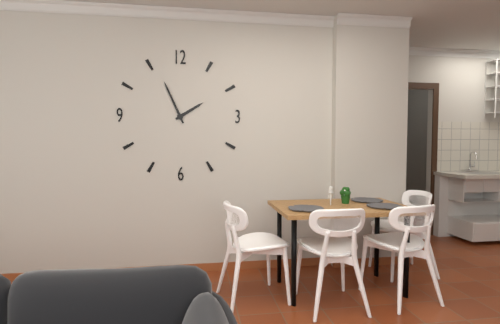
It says 1 h 56 min
